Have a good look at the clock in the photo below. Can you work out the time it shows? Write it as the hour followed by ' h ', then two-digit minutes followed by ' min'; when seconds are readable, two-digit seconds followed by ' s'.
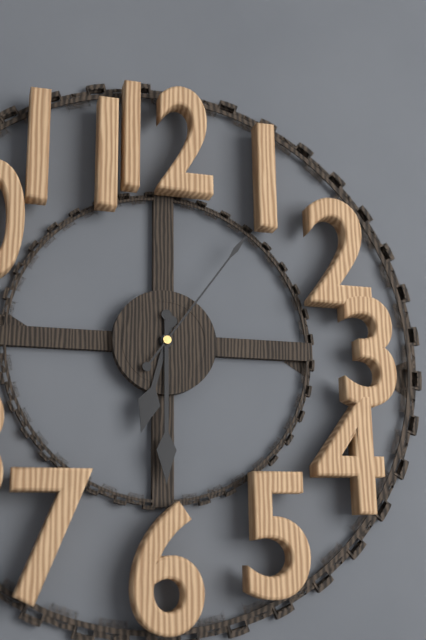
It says 6 h 30 min 06 s
